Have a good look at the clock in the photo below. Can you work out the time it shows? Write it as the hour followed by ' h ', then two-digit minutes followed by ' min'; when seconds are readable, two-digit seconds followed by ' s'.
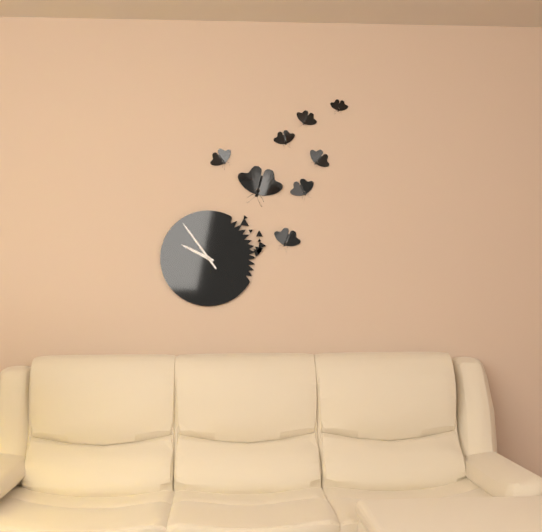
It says 9 h 54 min
